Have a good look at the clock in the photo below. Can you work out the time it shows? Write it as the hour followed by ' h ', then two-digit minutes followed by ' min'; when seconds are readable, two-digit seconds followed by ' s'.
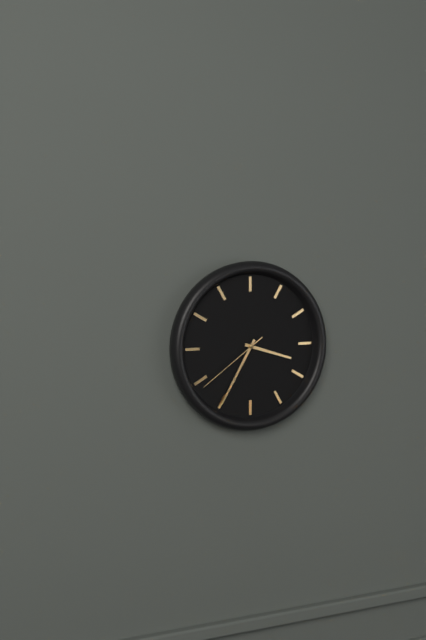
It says 3 h 35 min 39 s
